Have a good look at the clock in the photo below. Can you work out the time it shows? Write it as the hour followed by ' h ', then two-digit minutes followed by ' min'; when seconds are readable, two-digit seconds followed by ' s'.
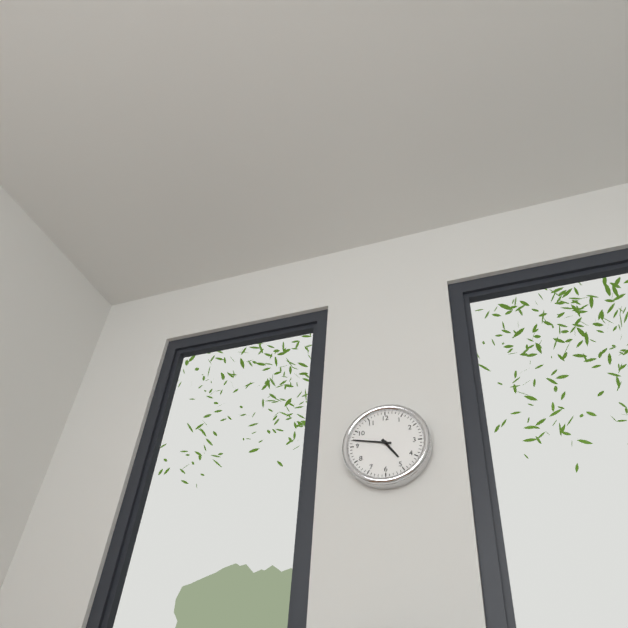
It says 4 h 47 min
